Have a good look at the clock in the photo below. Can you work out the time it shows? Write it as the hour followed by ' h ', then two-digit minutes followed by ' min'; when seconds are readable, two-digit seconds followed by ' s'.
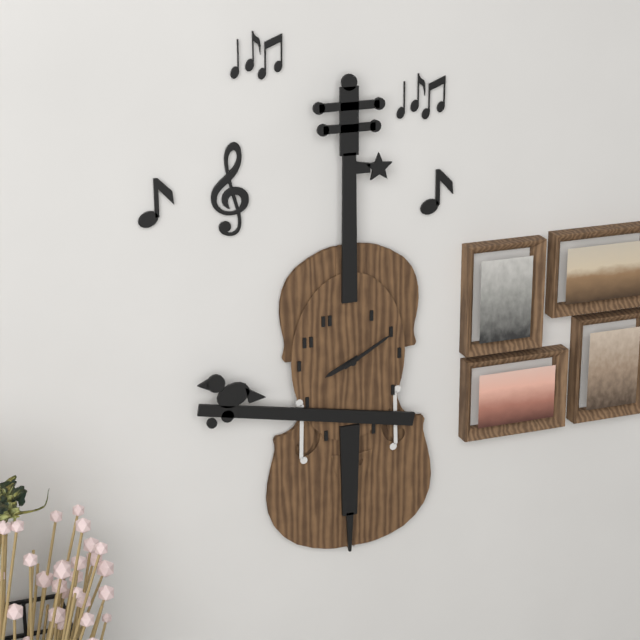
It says 8 h 10 min
